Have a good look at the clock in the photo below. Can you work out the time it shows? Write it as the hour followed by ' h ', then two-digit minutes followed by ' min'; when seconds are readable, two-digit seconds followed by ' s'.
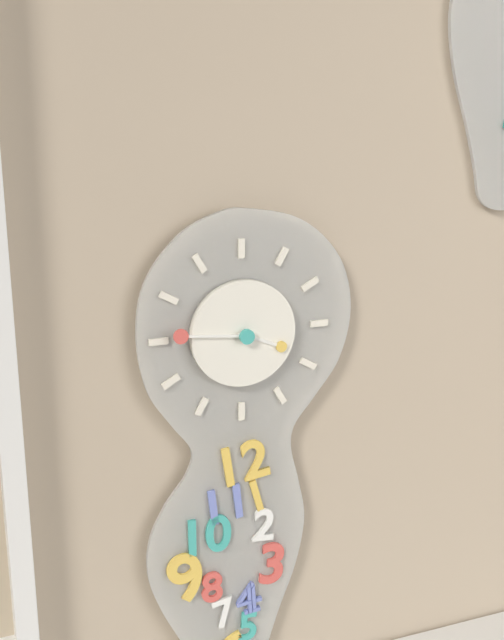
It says 3 h 46 min
